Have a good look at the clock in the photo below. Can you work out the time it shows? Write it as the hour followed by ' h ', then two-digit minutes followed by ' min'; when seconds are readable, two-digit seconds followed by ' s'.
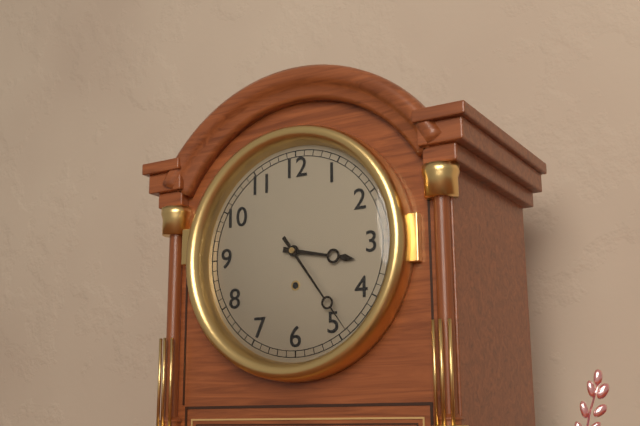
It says 3 h 24 min
